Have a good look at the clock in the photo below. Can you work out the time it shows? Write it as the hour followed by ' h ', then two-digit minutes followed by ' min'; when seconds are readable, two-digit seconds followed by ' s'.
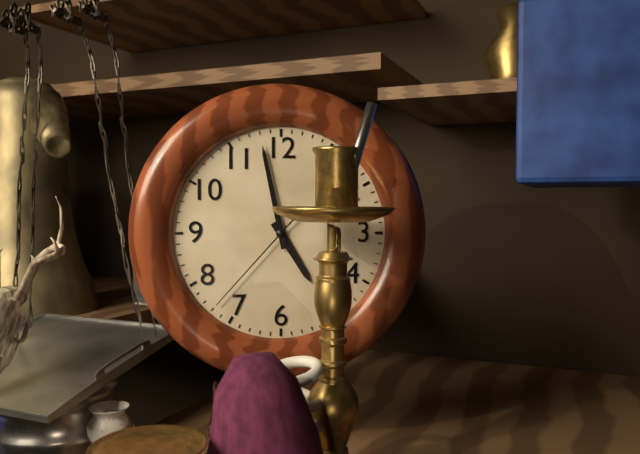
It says 4 h 58 min 37 s
